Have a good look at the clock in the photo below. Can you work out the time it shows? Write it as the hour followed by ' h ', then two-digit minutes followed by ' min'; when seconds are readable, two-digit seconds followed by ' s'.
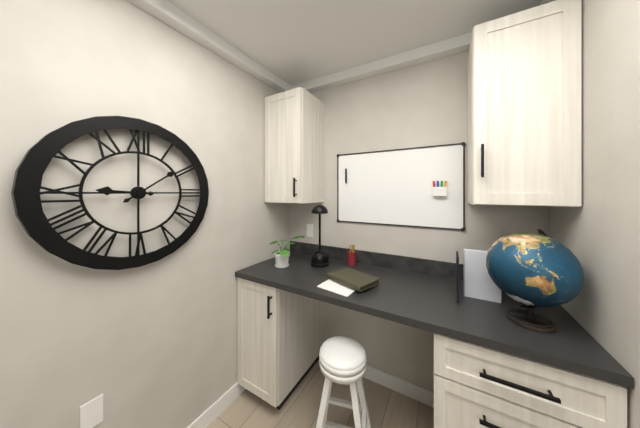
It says 9 h 09 min
